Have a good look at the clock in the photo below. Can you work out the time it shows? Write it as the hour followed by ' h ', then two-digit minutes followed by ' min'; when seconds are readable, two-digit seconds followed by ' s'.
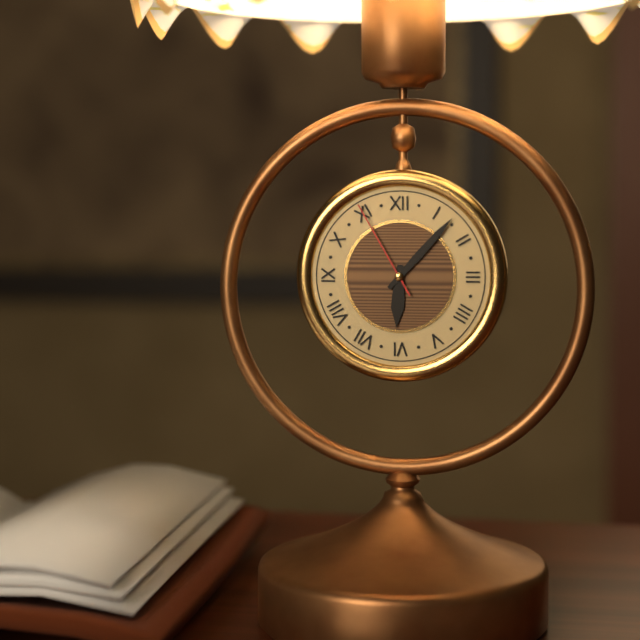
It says 6 h 07 min 55 s
